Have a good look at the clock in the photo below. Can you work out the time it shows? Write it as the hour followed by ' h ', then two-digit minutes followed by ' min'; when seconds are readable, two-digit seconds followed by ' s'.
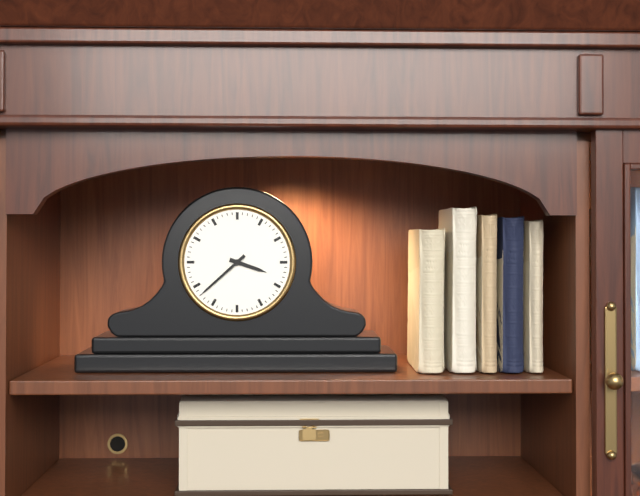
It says 3 h 38 min
